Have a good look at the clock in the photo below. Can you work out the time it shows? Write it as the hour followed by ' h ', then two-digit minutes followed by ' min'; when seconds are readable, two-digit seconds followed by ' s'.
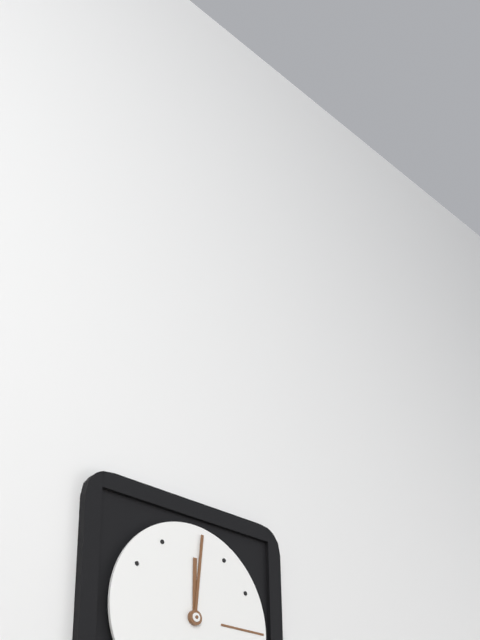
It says 12 h 01 min
